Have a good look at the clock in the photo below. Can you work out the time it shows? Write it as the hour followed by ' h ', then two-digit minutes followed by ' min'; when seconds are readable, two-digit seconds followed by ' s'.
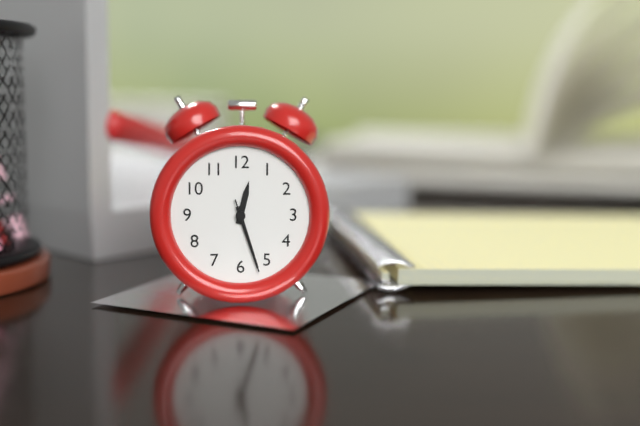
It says 12 h 27 min 27 s
